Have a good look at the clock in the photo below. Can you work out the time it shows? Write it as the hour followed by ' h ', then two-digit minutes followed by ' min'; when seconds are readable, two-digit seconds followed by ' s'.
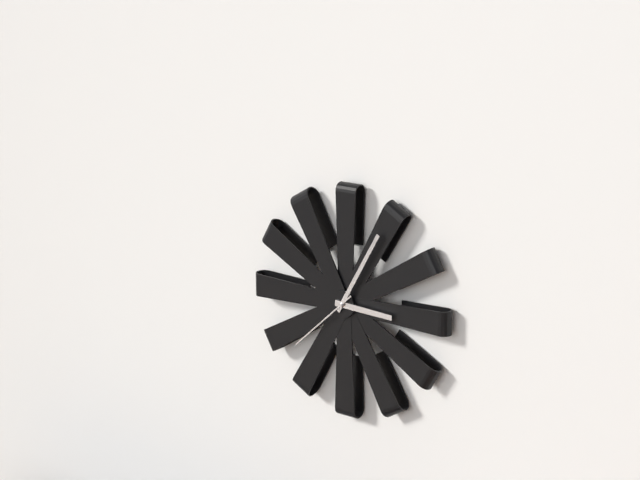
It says 3 h 05 min 38 s
